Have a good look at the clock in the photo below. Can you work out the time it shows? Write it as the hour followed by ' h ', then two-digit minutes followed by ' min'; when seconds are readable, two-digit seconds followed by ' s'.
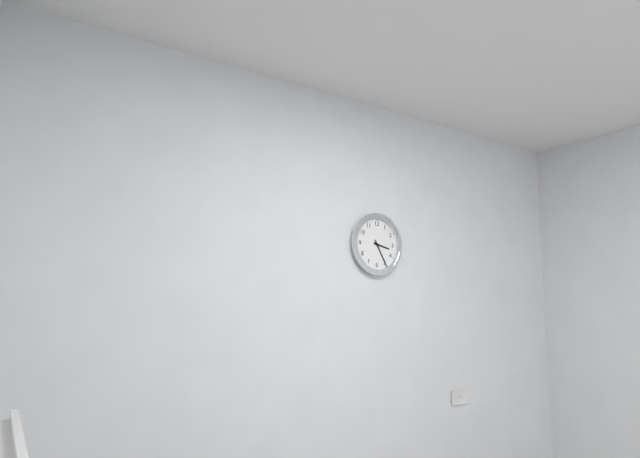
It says 3 h 25 min
